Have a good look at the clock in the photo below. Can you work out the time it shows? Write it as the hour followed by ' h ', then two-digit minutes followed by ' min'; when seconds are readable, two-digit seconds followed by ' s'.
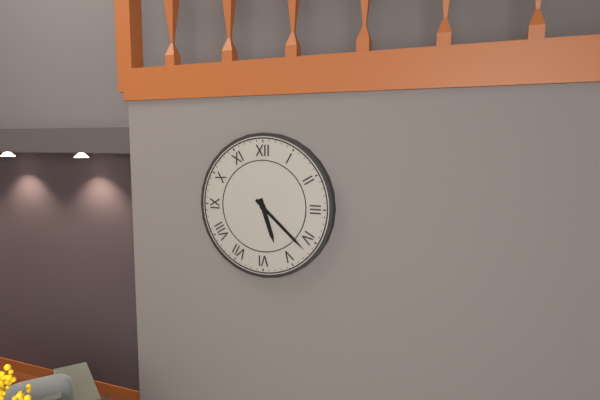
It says 5 h 22 min
